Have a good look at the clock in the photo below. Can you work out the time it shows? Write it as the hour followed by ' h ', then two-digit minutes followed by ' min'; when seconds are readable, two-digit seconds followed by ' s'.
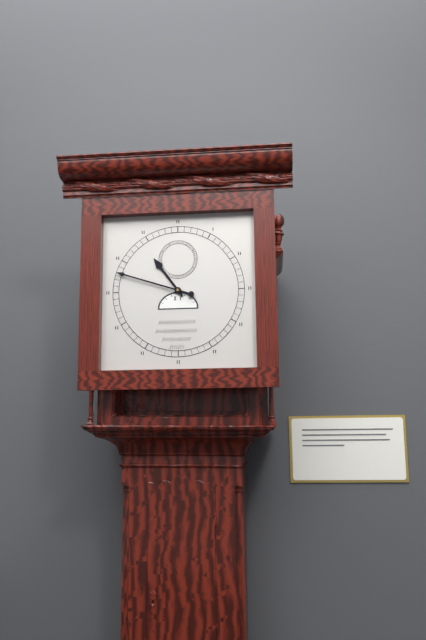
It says 10 h 48 min
